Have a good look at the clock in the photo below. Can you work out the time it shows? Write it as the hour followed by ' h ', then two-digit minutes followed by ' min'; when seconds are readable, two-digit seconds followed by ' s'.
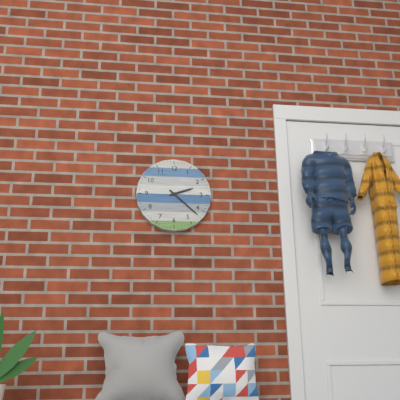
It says 2 h 22 min
